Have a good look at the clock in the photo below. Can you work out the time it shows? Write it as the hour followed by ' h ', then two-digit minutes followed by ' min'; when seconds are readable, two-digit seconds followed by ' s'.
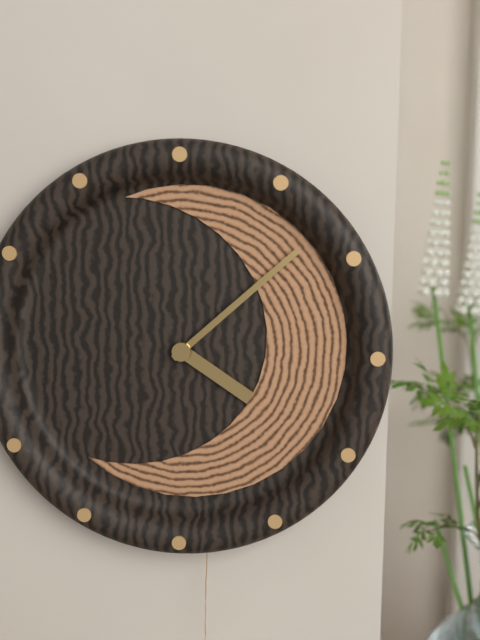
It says 4 h 08 min
